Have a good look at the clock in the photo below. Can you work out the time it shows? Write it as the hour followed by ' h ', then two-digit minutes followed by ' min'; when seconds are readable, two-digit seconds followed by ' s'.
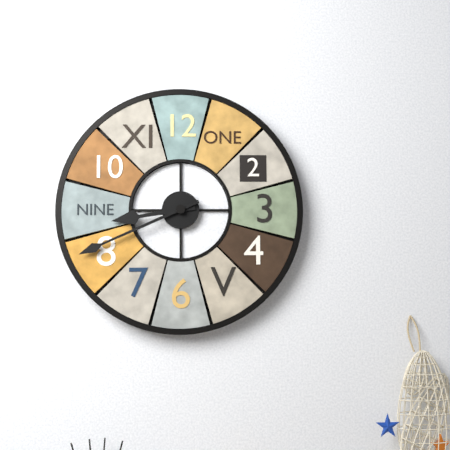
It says 8 h 41 min
